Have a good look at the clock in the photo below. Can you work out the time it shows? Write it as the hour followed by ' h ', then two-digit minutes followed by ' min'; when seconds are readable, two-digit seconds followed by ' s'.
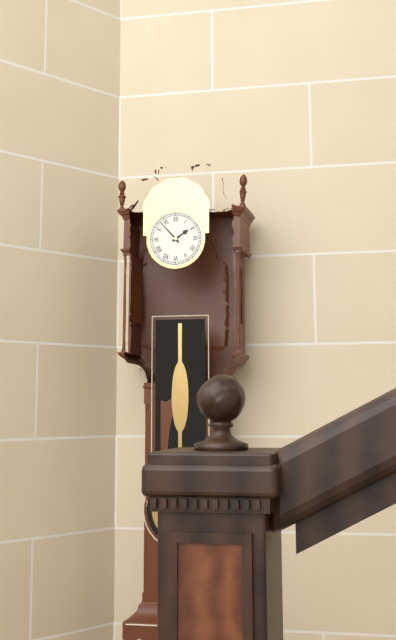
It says 1 h 53 min
